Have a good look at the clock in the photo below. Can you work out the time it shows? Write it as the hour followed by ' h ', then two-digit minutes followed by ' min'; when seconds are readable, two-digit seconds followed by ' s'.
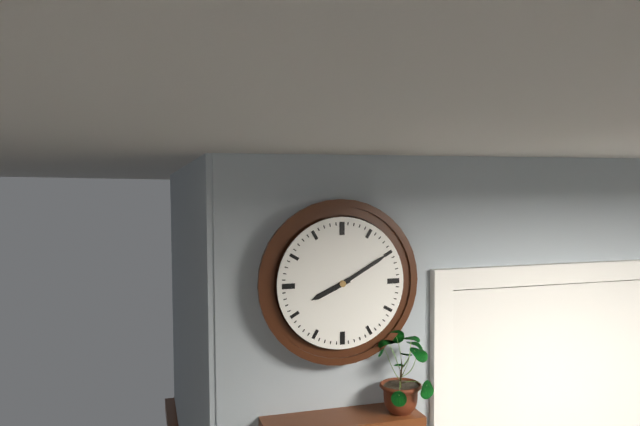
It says 8 h 10 min
